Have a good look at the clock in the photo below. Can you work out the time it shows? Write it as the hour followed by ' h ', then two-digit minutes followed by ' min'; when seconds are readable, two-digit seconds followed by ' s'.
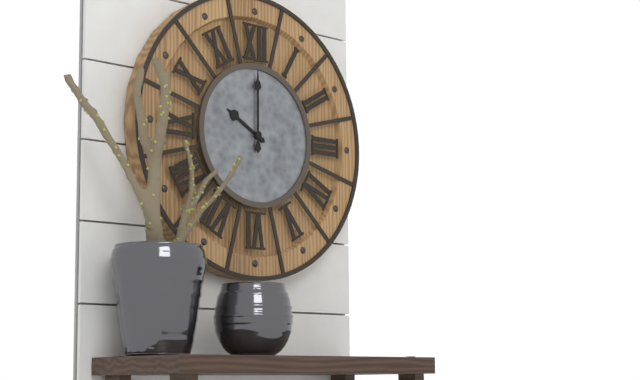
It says 10 h 00 min
